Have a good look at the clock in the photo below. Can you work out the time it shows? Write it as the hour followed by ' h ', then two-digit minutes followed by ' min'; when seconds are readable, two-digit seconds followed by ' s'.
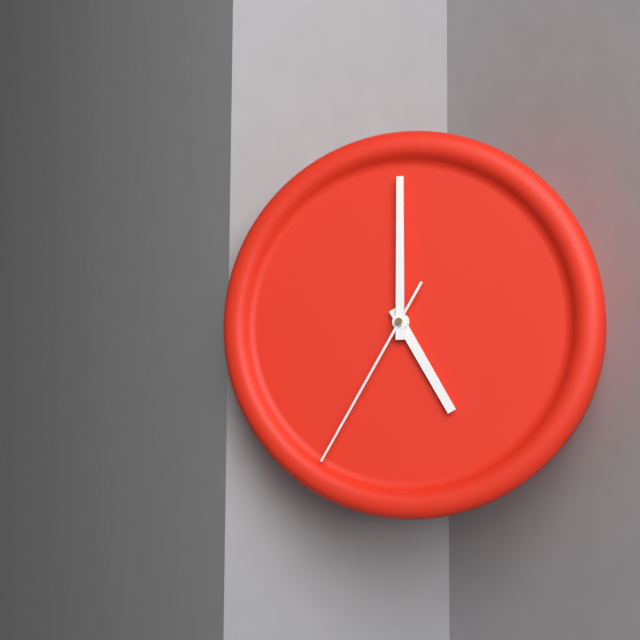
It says 5 h 00 min 35 s
